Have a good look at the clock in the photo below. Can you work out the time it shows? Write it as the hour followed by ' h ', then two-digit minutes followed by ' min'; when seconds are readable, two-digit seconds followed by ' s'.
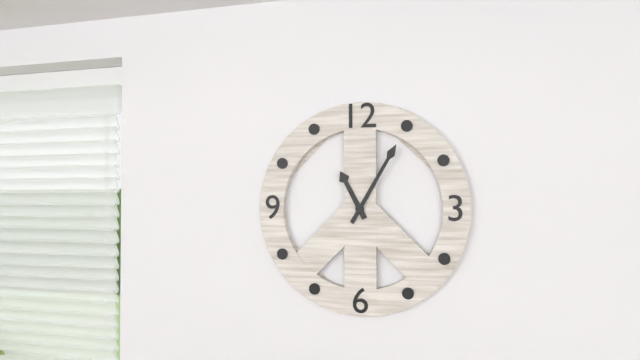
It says 11 h 05 min
